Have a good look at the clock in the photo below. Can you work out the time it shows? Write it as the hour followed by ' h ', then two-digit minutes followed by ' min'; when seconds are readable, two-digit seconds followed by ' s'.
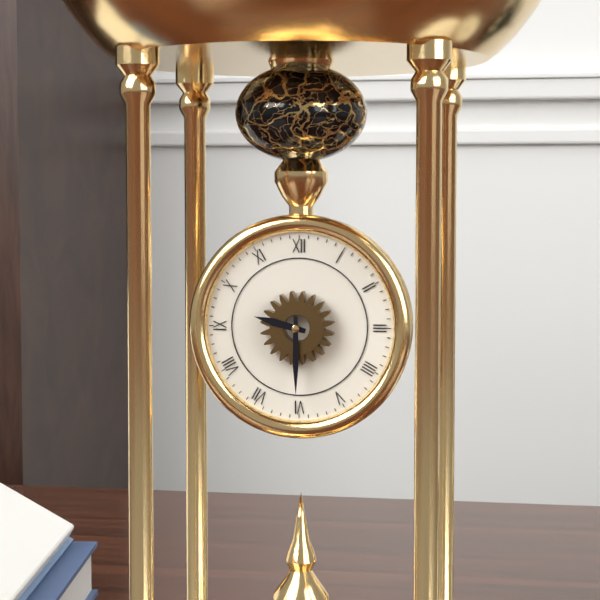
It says 9 h 30 min
